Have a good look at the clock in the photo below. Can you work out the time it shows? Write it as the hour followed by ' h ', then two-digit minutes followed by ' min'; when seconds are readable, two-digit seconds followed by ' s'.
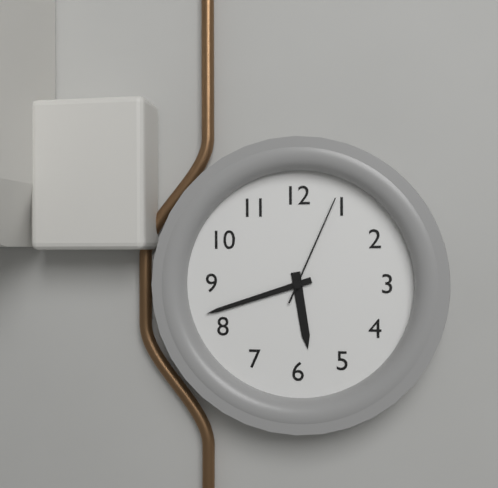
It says 5 h 42 min 04 s
